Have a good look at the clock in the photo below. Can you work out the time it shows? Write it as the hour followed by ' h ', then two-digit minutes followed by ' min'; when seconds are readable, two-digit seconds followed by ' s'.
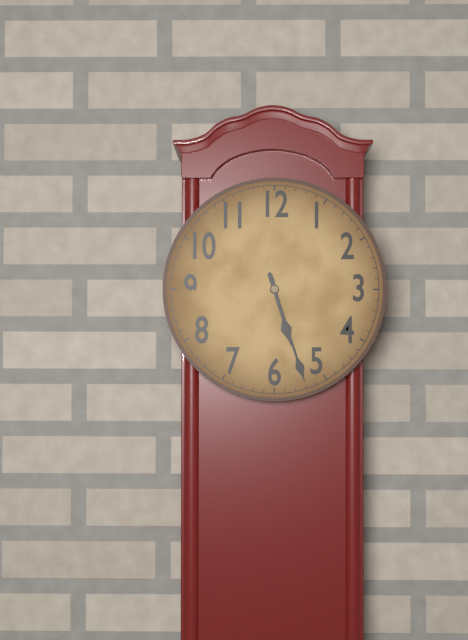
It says 5 h 27 min
